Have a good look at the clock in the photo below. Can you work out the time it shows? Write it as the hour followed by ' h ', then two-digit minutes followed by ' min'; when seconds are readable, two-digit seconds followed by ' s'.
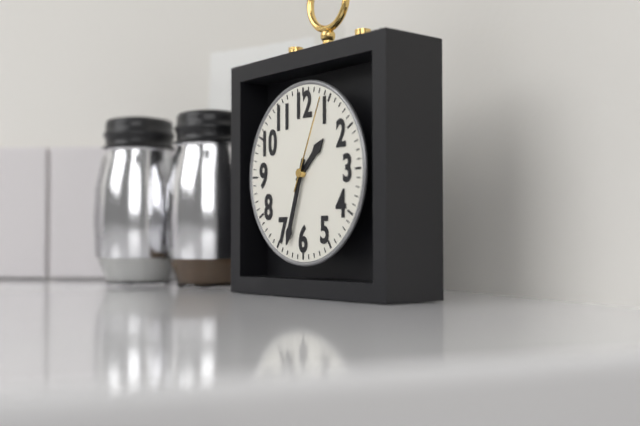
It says 1 h 33 min 04 s
